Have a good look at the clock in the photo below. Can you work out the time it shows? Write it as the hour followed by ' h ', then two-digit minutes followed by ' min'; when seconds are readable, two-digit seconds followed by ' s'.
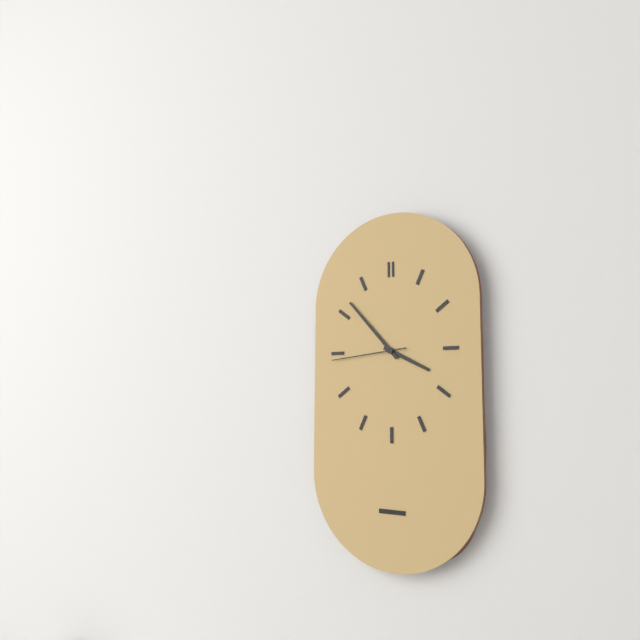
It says 3 h 53 min 44 s
